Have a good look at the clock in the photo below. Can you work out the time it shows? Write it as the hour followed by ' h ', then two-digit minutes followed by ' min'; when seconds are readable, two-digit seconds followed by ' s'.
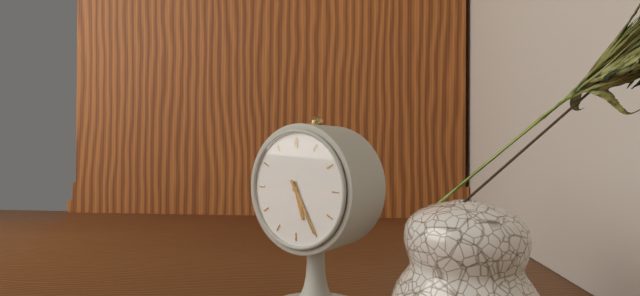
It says 5 h 25 min
